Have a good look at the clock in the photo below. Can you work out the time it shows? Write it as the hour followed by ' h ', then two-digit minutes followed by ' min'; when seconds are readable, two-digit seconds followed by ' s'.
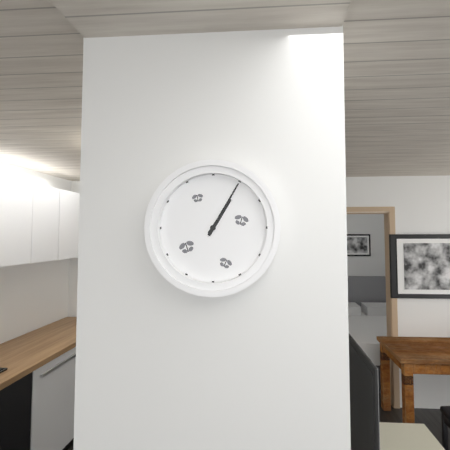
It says 1 h 05 min
